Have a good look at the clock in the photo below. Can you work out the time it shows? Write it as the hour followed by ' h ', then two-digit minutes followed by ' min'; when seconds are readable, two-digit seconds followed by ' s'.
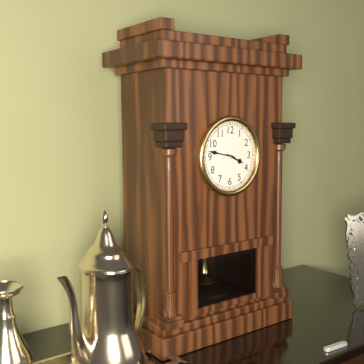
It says 3 h 47 min
